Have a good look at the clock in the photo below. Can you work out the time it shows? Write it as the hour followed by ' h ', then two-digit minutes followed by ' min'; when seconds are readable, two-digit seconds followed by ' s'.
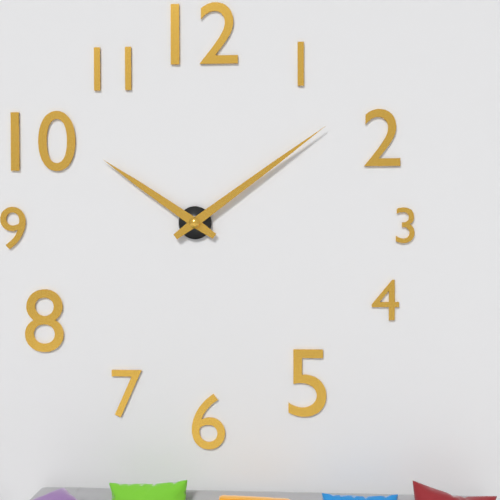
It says 10 h 09 min
